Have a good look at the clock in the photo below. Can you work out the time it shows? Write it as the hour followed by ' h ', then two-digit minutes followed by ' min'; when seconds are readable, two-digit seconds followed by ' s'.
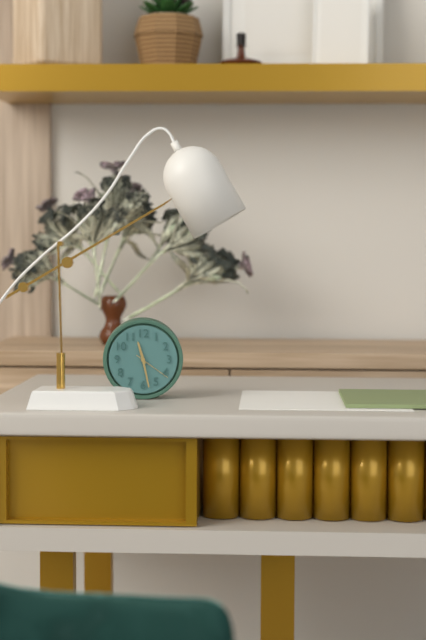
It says 11 h 28 min
